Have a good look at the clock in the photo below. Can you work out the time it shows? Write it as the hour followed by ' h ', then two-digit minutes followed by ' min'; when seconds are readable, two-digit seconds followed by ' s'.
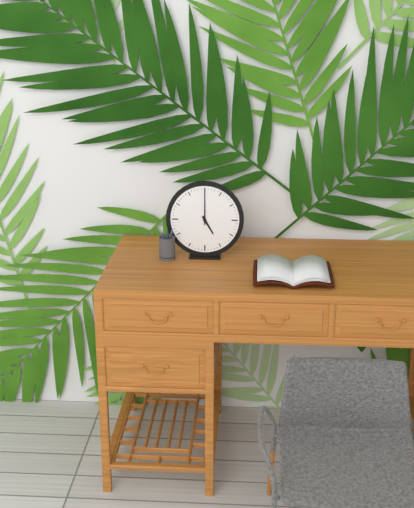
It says 5 h 00 min
